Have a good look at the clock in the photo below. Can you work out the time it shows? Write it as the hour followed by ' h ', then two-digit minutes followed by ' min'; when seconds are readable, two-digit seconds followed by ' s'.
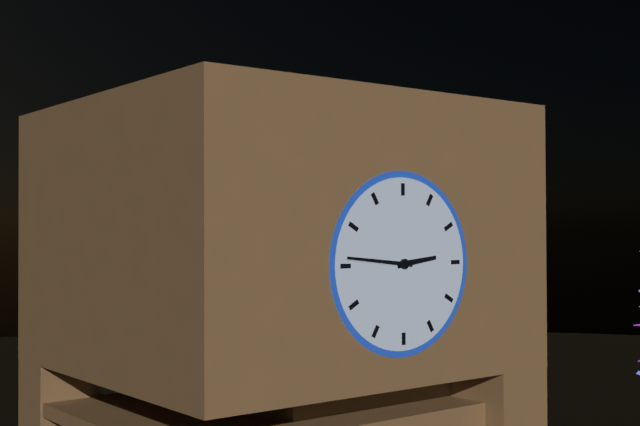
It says 2 h 46 min
